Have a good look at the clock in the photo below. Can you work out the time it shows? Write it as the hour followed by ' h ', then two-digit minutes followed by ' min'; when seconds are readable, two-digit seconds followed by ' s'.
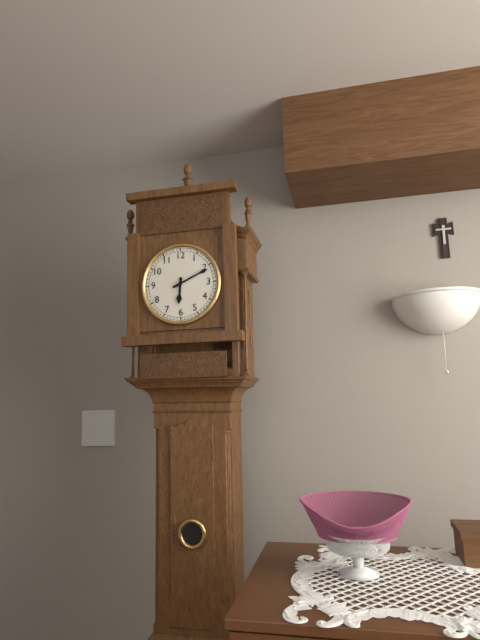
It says 6 h 11 min
